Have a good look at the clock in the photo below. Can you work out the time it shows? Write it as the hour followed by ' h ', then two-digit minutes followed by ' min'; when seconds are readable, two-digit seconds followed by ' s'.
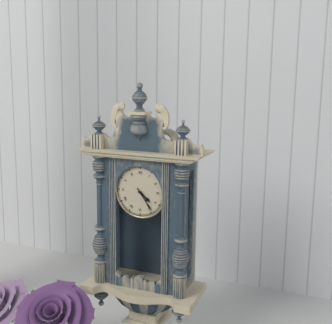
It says 4 h 24 min
